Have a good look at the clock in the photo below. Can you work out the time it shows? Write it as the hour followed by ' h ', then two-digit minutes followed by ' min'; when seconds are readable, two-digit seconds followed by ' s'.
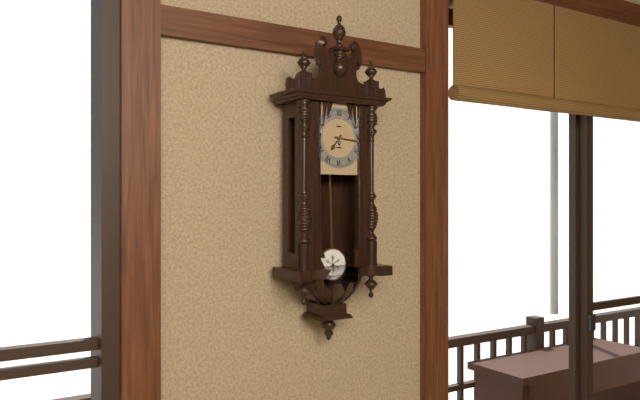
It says 7 h 16 min
